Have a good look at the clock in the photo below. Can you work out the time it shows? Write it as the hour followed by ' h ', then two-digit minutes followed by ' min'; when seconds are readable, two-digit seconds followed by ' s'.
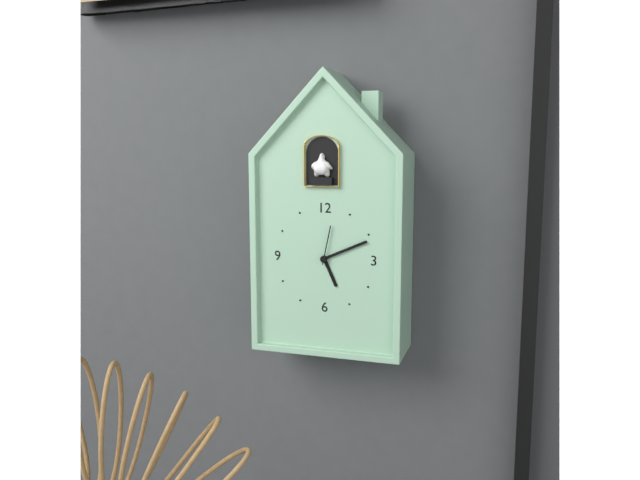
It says 5 h 11 min
